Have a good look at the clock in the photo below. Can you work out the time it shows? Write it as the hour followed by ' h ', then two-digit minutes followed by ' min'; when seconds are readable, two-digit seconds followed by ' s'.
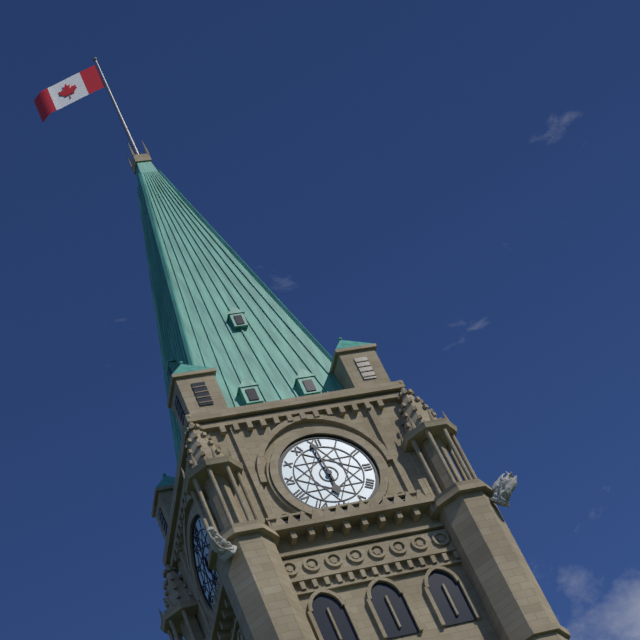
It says 5 h 59 min
